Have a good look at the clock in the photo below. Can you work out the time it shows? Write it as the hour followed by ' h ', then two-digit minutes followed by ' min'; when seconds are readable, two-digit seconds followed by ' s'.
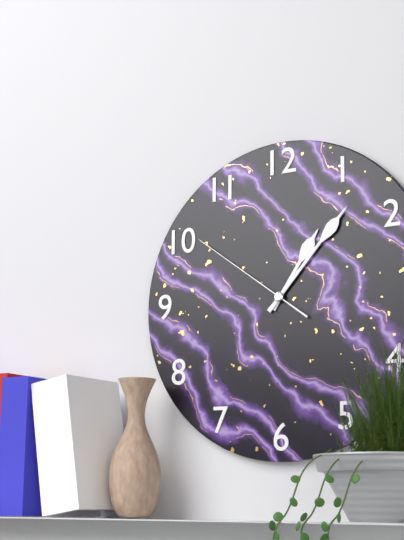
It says 1 h 07 min 51 s
